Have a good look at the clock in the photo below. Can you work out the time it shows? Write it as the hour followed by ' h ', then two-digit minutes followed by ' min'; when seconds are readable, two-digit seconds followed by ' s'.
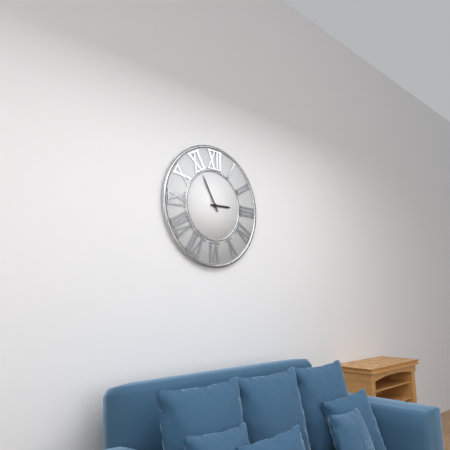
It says 2 h 55 min
